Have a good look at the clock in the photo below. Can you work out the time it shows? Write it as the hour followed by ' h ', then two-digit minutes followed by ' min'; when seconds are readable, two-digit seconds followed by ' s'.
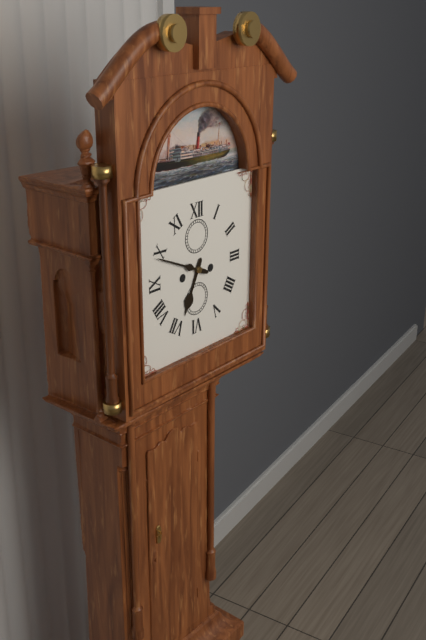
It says 6 h 49 min
